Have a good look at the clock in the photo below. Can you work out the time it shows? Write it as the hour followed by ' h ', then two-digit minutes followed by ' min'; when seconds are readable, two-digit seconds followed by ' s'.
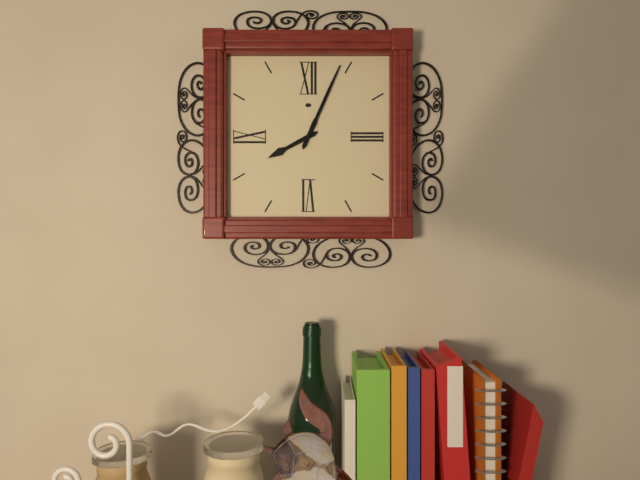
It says 8 h 04 min
